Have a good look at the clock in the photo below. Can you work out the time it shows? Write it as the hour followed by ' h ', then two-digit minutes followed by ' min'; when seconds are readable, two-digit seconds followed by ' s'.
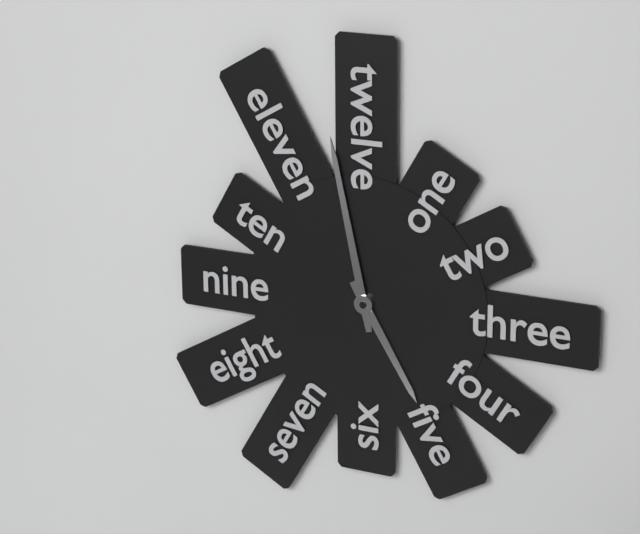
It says 4 h 58 min
